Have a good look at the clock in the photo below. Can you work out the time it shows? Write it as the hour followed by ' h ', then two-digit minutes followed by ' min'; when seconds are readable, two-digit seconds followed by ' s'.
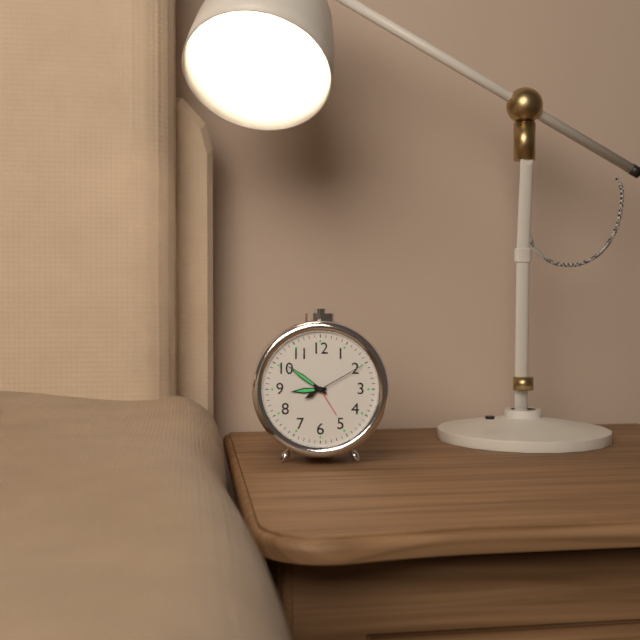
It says 8 h 51 min 10 s
